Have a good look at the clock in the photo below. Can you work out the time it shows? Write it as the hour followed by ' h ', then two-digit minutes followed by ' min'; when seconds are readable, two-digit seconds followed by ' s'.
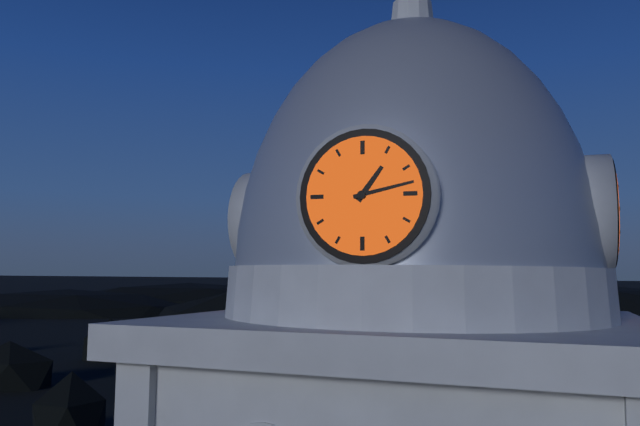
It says 1 h 13 min
